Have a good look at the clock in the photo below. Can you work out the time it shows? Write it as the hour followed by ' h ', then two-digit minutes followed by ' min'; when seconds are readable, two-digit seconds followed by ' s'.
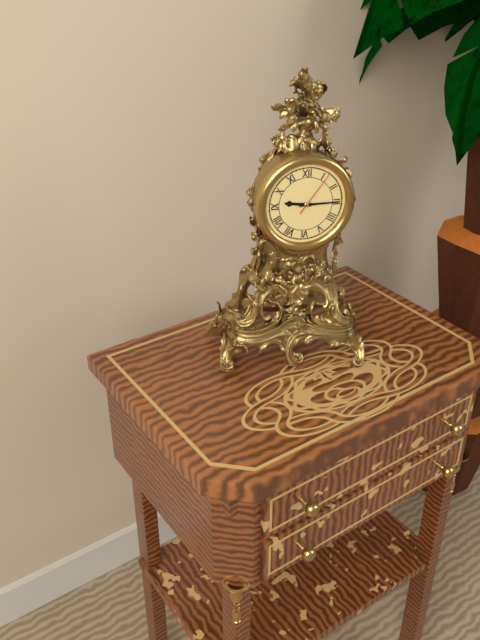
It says 9 h 15 min
